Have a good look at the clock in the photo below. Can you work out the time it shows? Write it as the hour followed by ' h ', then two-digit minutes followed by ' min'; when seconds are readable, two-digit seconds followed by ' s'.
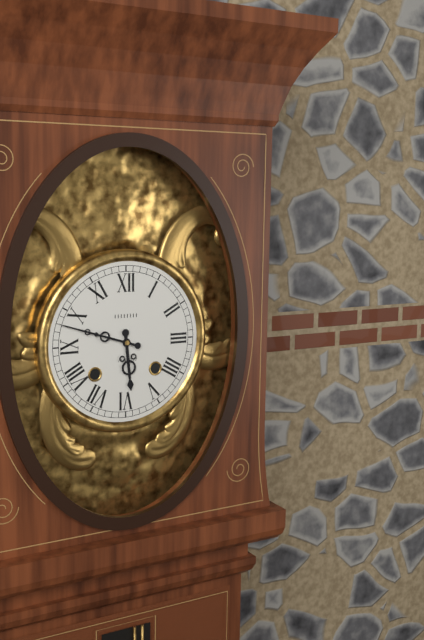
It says 5 h 48 min
